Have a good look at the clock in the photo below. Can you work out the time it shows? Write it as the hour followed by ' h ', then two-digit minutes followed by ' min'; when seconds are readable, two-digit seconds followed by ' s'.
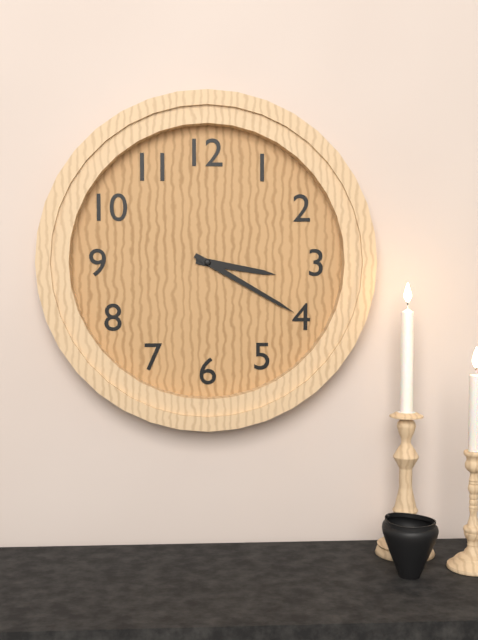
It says 3 h 20 min
